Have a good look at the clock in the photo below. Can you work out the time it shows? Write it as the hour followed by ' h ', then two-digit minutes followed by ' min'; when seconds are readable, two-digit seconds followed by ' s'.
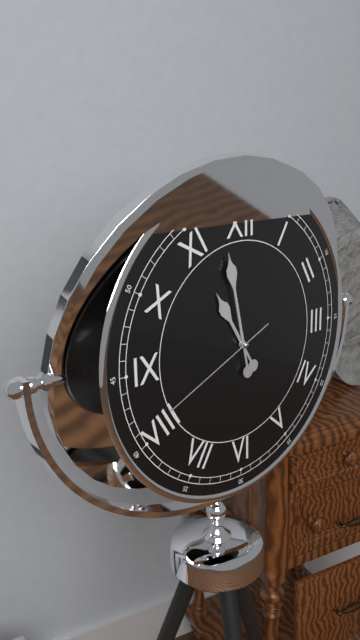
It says 10 h 58 min 41 s
